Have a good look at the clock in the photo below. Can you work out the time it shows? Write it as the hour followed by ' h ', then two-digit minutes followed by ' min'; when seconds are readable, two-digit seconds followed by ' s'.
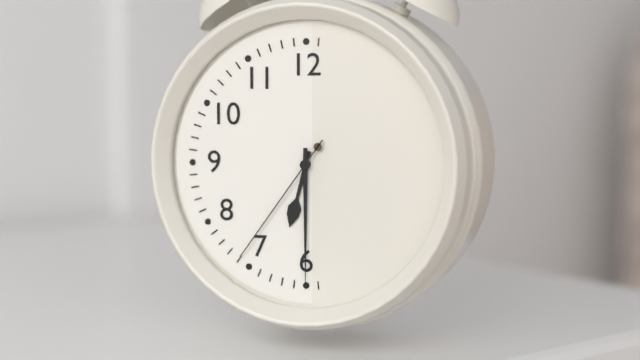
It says 6 h 30 min 36 s
